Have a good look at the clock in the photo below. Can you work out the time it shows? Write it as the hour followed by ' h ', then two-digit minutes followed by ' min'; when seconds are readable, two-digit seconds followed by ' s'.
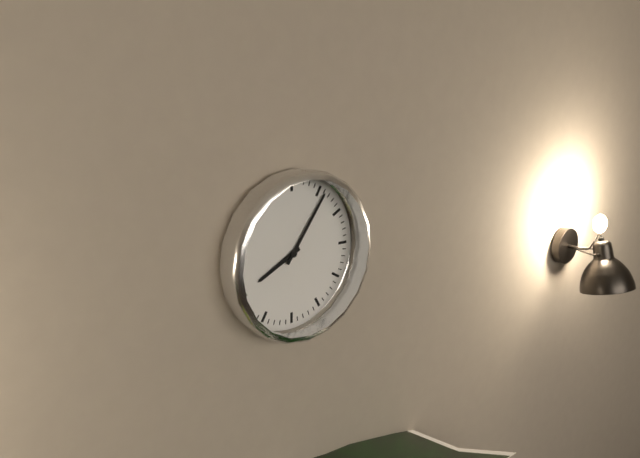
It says 8 h 06 min
